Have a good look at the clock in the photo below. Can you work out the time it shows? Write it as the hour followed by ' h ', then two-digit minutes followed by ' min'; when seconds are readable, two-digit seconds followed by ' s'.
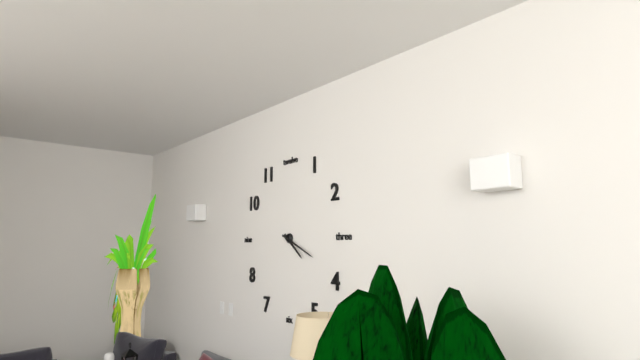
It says 4 h 19 min
